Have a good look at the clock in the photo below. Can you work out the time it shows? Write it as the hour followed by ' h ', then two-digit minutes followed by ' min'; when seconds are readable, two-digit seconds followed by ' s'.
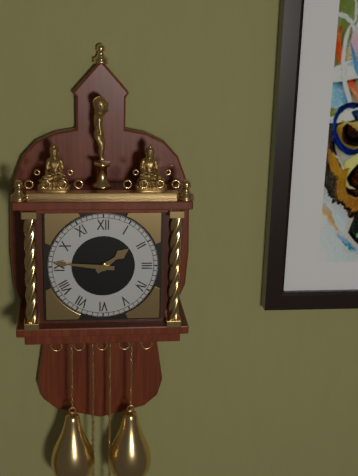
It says 1 h 46 min
